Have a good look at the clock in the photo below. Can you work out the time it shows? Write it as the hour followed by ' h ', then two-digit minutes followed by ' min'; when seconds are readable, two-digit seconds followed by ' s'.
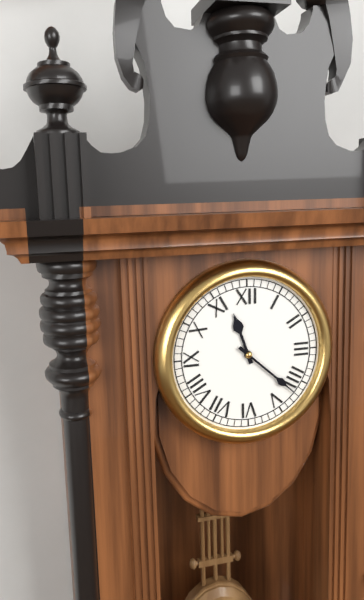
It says 11 h 22 min
